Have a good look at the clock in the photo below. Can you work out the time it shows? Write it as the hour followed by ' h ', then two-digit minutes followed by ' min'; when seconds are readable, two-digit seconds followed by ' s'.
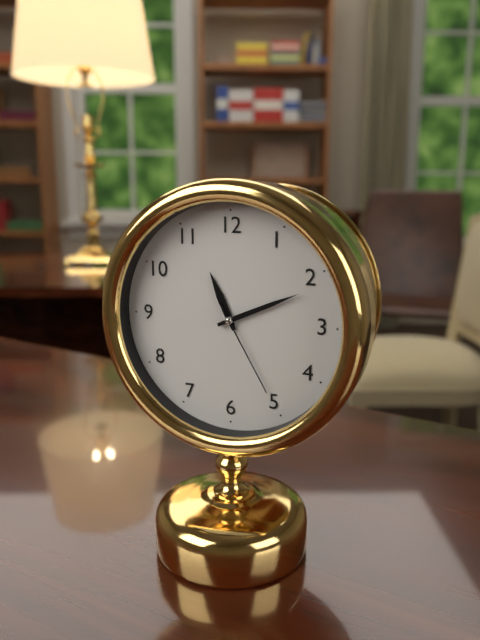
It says 11 h 11 min 25 s
